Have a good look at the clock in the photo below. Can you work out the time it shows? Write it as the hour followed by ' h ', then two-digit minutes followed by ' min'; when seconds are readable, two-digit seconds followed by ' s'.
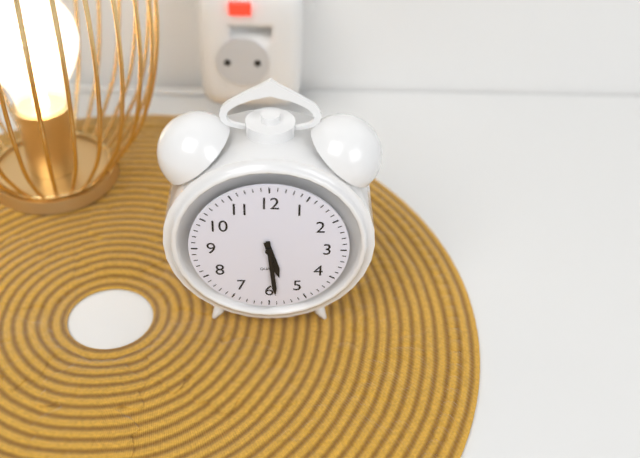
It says 5 h 29 min
